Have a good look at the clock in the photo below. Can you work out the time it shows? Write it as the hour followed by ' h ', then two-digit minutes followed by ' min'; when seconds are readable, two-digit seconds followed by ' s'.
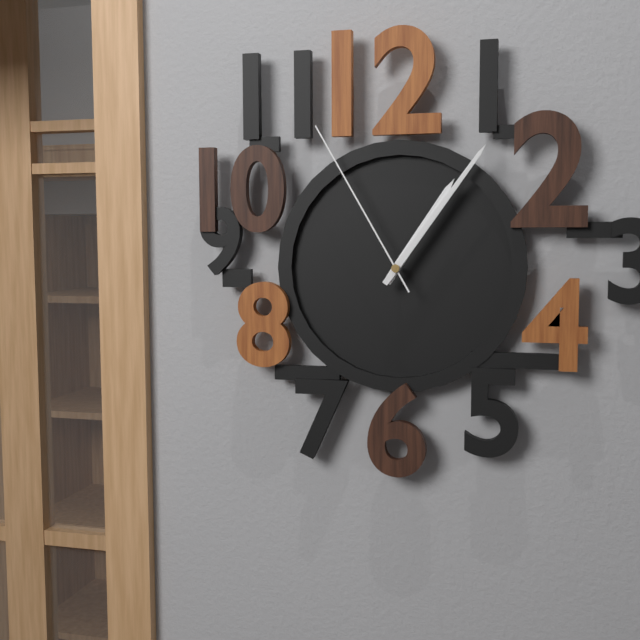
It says 1 h 06 min 55 s
